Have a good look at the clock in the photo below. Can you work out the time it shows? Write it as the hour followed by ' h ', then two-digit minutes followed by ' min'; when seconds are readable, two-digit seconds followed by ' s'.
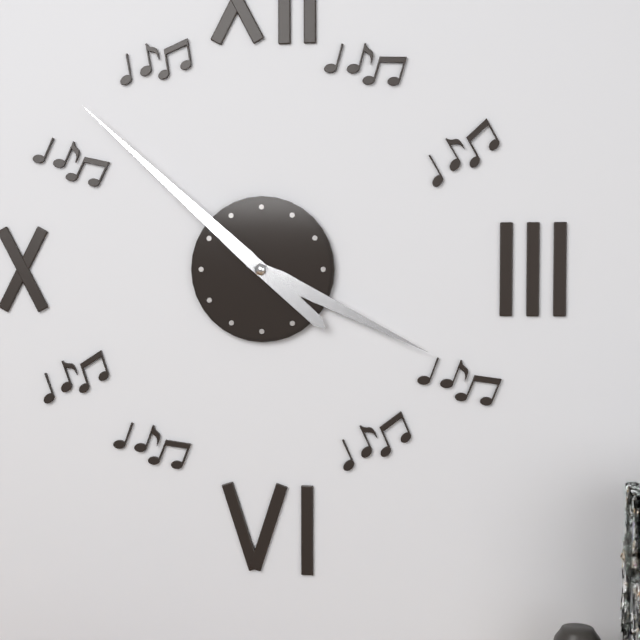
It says 3 h 52 min
